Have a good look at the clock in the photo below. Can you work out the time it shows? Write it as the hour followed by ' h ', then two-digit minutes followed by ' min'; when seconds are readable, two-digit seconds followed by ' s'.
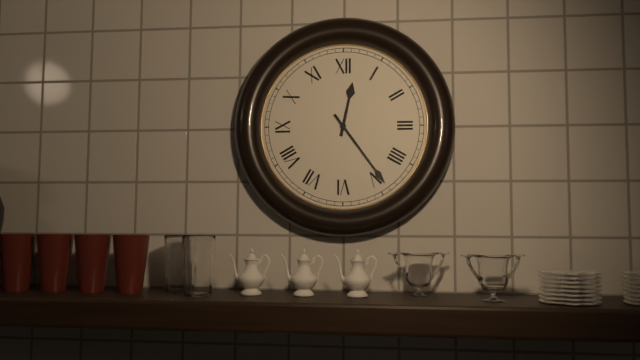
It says 12 h 24 min
